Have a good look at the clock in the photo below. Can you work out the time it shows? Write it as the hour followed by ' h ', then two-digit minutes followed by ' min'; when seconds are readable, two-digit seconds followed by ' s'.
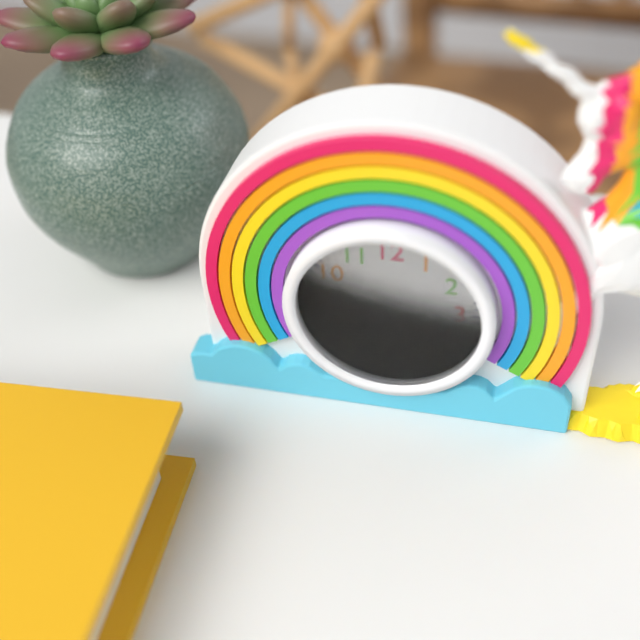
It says 7 h 15 min
